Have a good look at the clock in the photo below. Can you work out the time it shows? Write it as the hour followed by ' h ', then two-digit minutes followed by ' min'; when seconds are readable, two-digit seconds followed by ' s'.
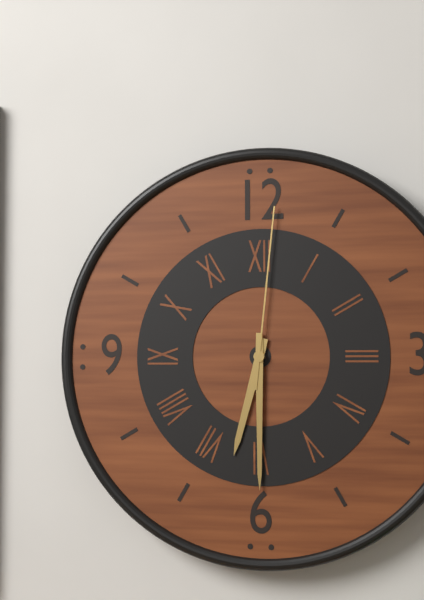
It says 6 h 30 min 01 s
